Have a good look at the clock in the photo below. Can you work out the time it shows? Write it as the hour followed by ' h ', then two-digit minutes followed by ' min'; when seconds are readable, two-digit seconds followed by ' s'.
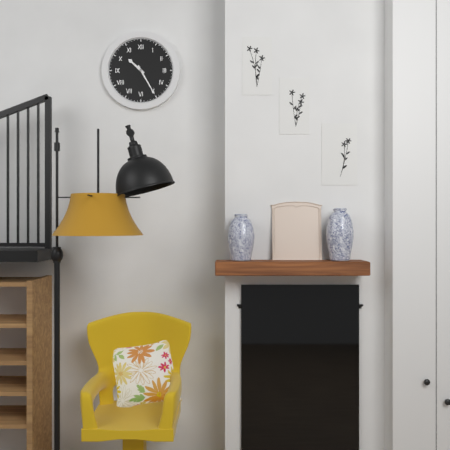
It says 10 h 25 min
